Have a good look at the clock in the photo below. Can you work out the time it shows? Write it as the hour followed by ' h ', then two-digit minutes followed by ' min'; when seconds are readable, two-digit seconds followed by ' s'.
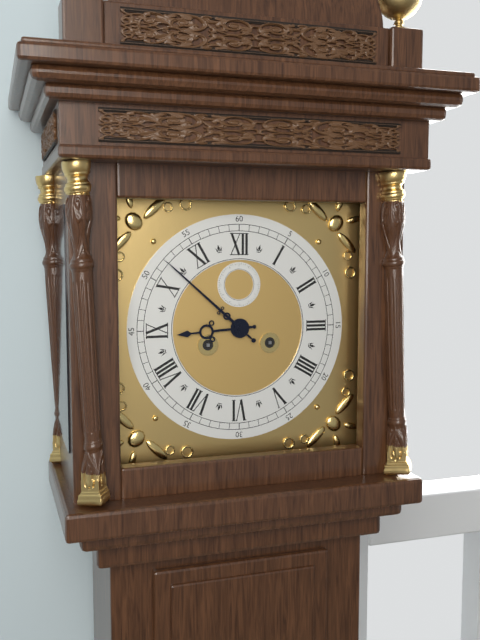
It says 8 h 52 min
